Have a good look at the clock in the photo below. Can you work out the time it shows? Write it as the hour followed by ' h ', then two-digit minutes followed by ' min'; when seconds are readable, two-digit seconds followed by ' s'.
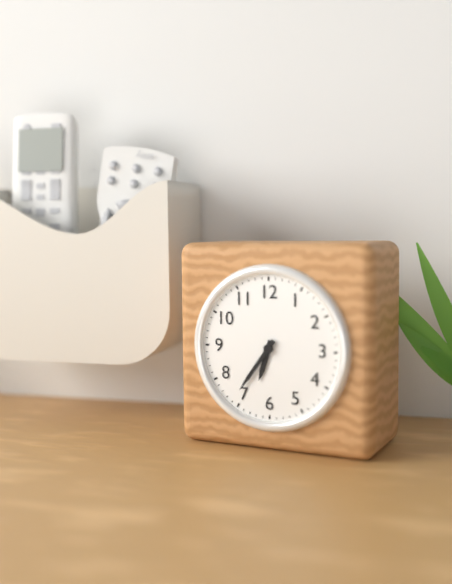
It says 6 h 36 min
